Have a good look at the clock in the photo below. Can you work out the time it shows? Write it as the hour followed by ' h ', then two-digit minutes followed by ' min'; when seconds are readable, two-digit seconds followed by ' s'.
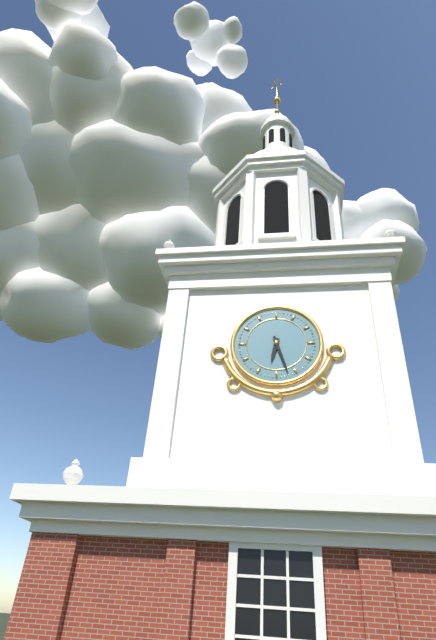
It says 6 h 27 min
